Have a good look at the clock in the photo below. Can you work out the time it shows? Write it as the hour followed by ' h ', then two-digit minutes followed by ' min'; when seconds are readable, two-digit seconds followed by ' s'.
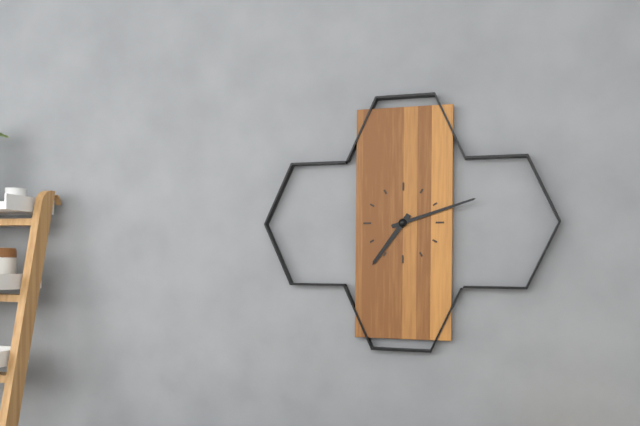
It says 7 h 12 min
